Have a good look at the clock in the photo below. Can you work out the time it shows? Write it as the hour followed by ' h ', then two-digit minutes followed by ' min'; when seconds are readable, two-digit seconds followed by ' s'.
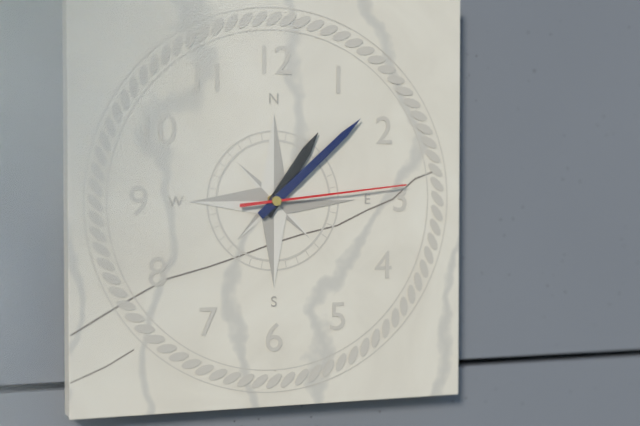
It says 1 h 08 min 14 s
